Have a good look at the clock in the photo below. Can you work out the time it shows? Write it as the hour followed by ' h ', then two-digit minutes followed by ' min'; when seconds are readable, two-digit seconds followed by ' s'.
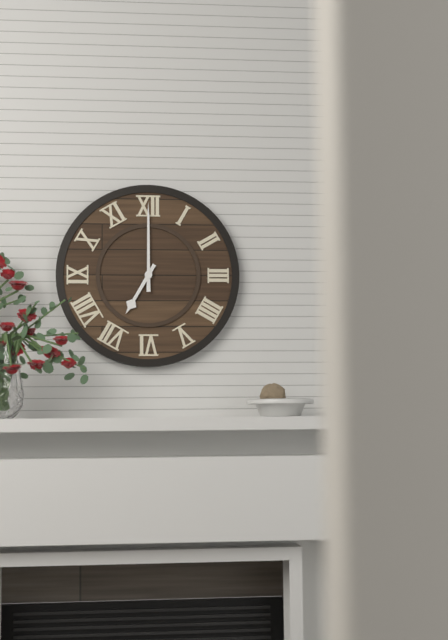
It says 7 h 00 min
